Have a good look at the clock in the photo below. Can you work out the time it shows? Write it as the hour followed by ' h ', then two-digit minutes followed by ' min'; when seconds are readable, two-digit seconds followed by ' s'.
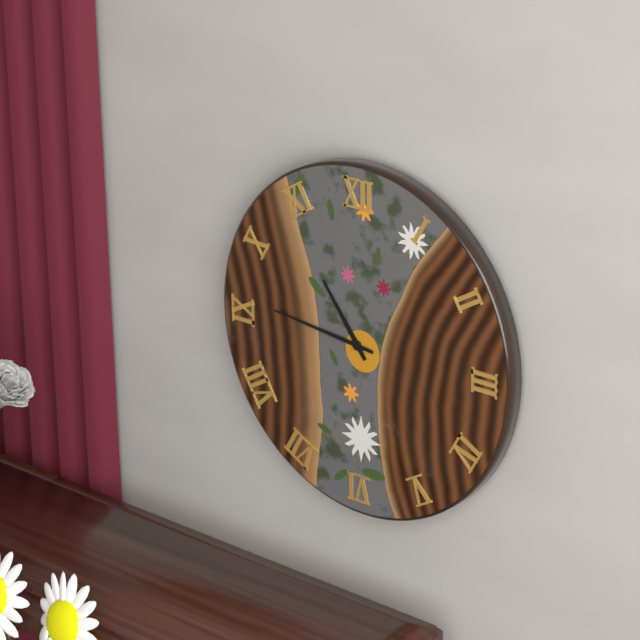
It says 10 h 46 min
